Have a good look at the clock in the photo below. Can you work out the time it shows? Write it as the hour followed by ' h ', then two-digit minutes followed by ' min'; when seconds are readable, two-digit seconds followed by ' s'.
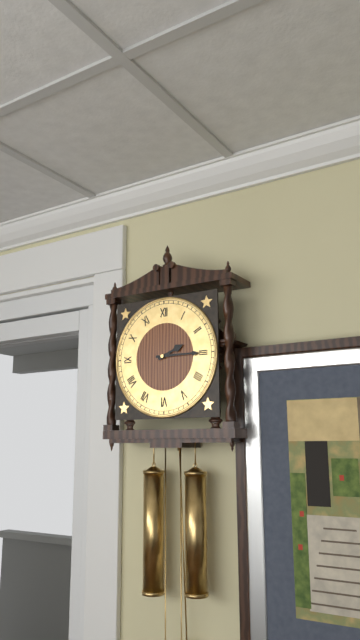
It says 2 h 15 min
